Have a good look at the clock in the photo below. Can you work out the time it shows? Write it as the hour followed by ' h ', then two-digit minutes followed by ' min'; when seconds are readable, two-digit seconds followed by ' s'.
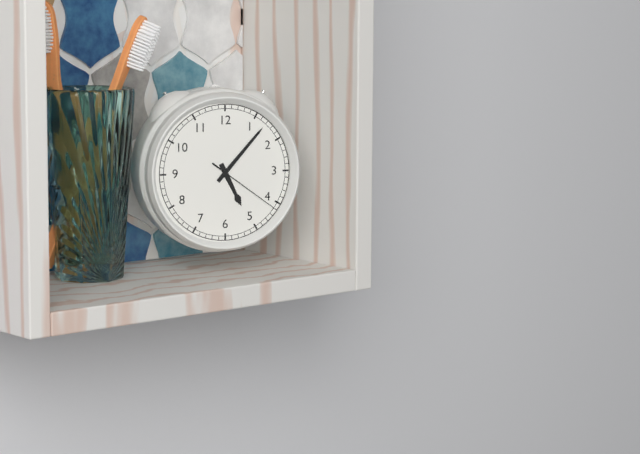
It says 5 h 07 min 21 s
